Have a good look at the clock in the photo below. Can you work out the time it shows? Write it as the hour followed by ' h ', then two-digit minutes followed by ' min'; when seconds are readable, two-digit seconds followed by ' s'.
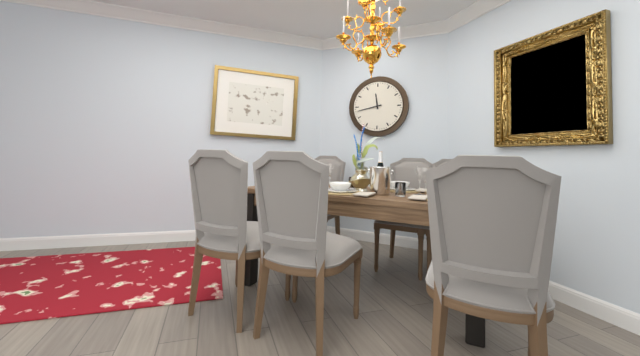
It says 11 h 43 min
